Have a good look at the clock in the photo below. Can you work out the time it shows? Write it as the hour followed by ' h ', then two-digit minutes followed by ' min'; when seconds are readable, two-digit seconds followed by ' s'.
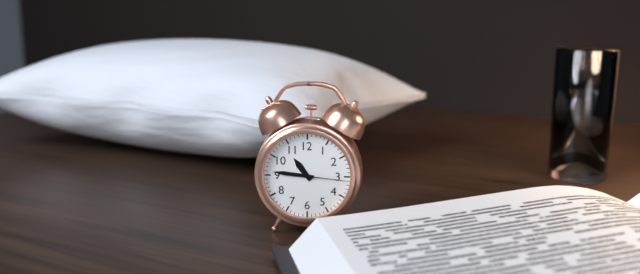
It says 10 h 46 min
